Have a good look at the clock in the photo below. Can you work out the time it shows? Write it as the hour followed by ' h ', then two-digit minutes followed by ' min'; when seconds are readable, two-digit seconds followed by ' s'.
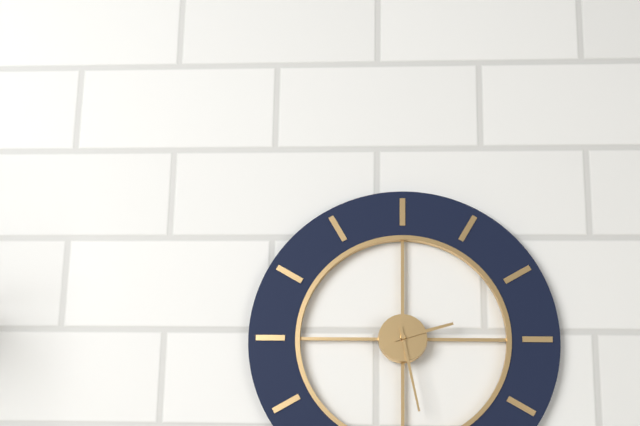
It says 2 h 28 min
